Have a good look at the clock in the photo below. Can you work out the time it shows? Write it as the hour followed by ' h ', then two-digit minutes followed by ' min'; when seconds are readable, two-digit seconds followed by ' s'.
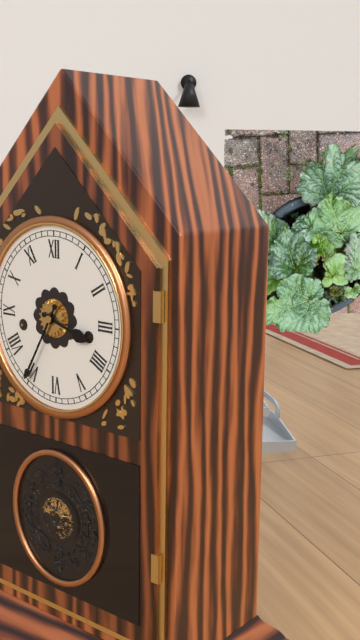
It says 3 h 35 min
